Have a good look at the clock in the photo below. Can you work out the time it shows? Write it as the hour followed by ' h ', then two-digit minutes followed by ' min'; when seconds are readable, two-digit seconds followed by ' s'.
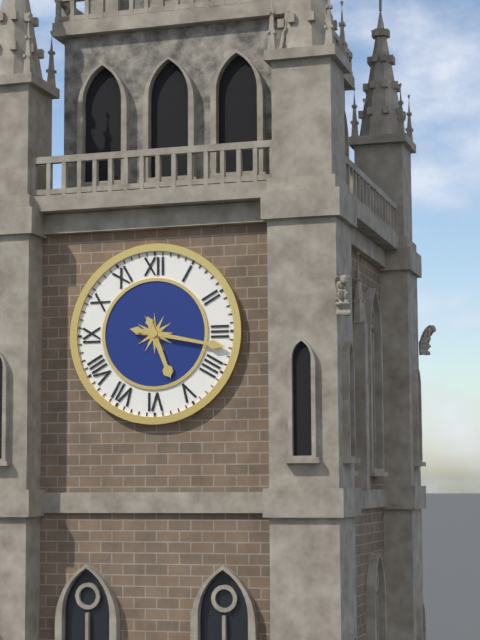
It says 5 h 17 min
